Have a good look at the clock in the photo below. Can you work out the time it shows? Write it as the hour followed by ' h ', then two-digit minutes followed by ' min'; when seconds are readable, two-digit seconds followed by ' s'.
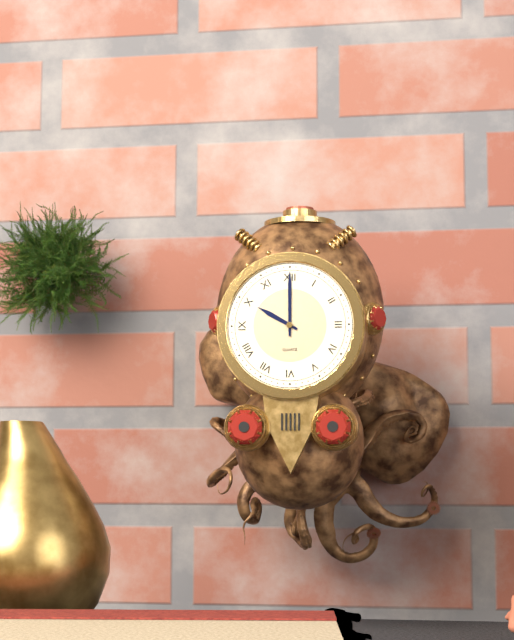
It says 10 h 00 min
